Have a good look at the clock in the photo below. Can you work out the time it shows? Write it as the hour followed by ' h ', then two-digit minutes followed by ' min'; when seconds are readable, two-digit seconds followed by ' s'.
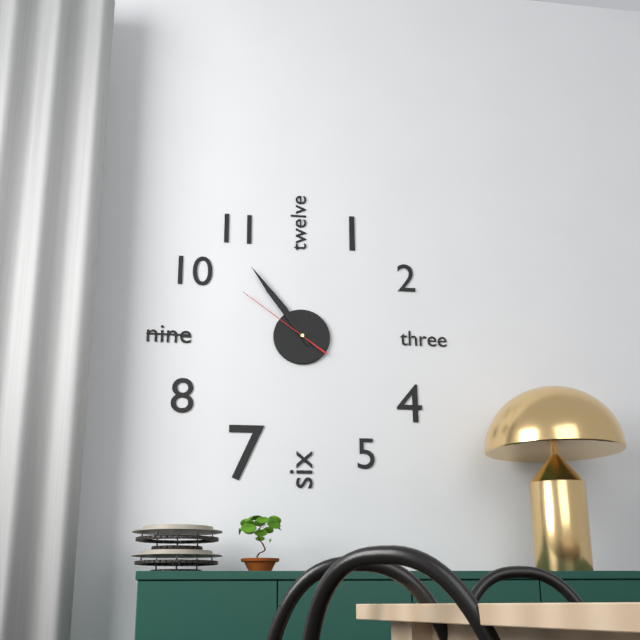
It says 10 h 54 min 51 s
